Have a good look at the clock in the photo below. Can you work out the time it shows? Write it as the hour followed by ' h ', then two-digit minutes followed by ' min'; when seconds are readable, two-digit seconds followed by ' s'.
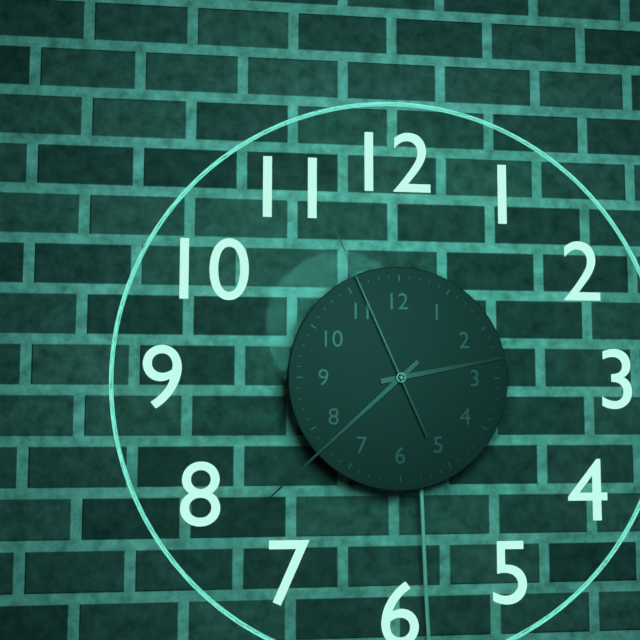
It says 2 h 38 min 56 s
